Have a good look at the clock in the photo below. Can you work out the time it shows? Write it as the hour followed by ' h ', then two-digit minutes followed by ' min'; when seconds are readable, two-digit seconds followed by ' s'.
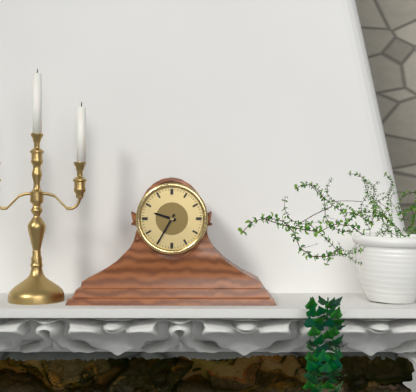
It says 9 h 35 min
